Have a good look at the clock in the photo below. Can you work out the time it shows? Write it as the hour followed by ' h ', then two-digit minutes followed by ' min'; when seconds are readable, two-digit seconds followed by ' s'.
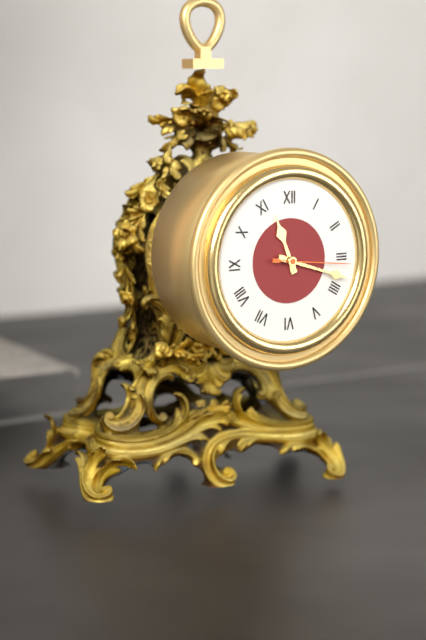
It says 11 h 18 min 16 s
